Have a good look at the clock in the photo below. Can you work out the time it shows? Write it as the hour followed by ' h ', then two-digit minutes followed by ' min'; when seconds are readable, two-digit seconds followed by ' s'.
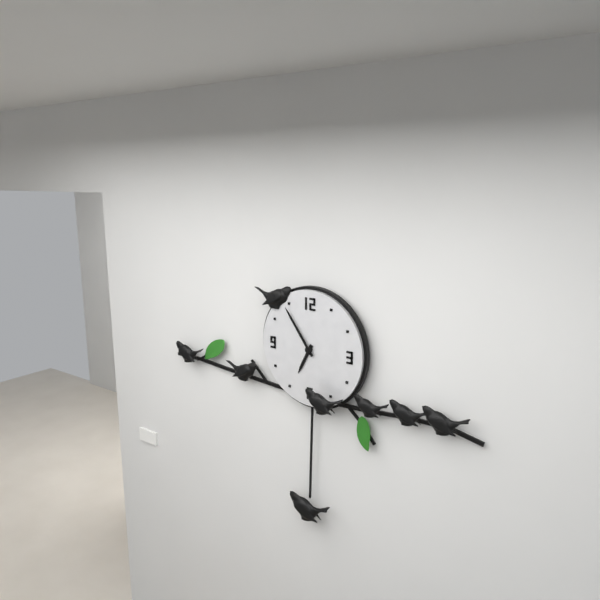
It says 6 h 54 min
